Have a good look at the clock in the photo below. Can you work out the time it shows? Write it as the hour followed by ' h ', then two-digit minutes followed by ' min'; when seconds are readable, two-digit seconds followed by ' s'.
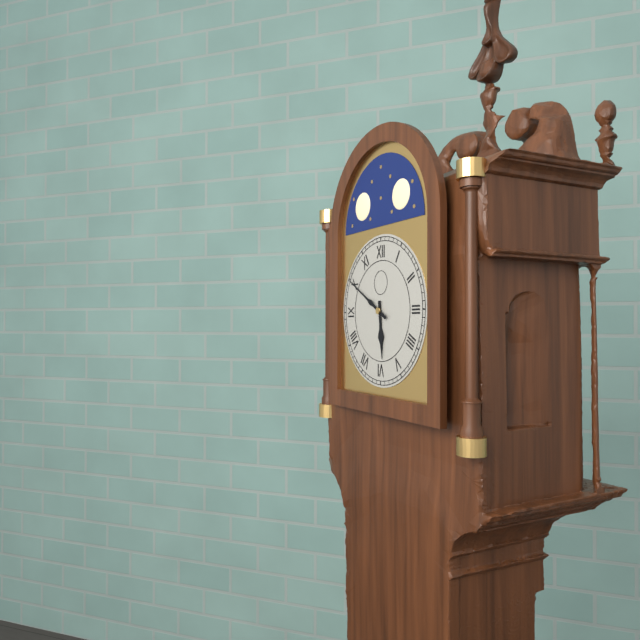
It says 5 h 50 min
